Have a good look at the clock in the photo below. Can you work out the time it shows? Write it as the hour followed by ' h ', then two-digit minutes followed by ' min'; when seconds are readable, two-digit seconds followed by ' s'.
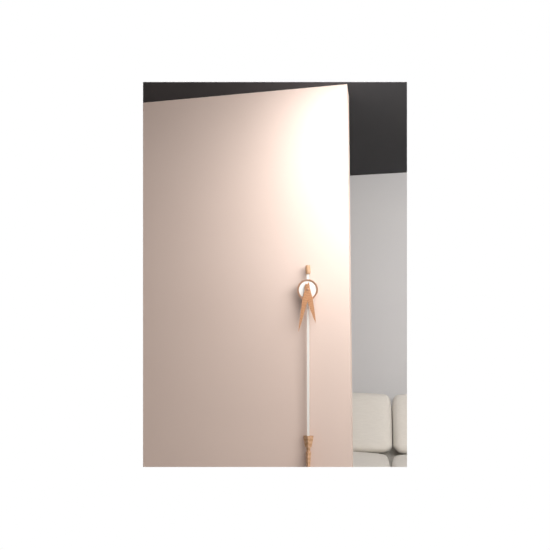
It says 5 h 32 min
